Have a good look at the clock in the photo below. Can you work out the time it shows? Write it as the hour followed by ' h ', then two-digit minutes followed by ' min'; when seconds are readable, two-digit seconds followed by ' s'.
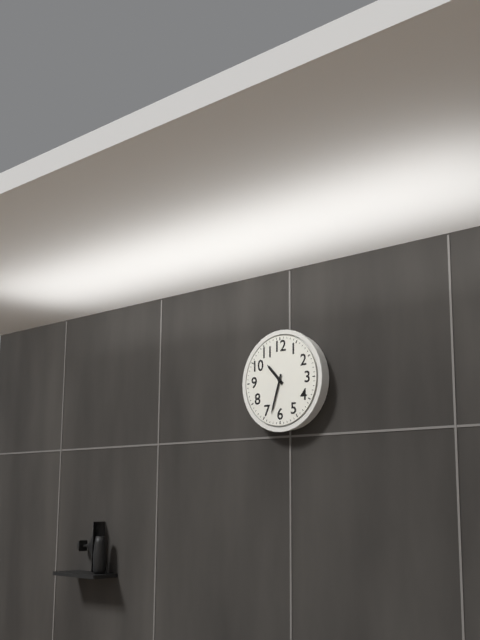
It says 10 h 33 min
